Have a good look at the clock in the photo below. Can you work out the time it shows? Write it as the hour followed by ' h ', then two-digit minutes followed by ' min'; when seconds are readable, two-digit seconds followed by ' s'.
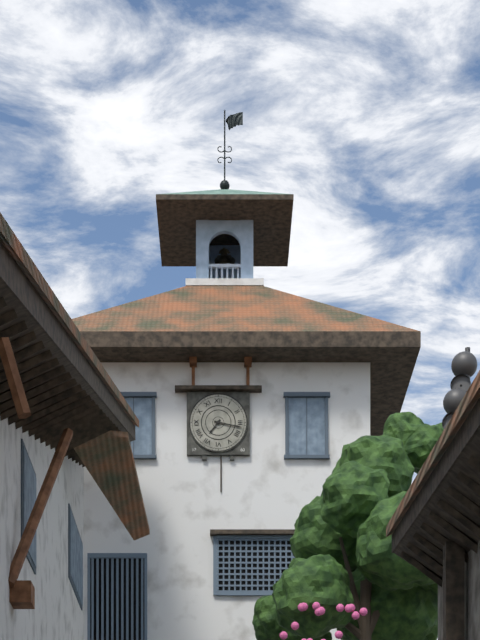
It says 7 h 17 min
